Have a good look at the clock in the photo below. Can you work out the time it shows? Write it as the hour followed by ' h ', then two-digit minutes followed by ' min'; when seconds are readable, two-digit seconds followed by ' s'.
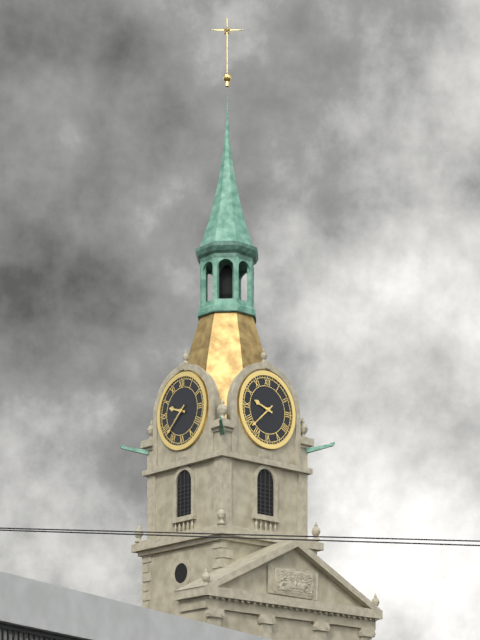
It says 9 h 38 min
